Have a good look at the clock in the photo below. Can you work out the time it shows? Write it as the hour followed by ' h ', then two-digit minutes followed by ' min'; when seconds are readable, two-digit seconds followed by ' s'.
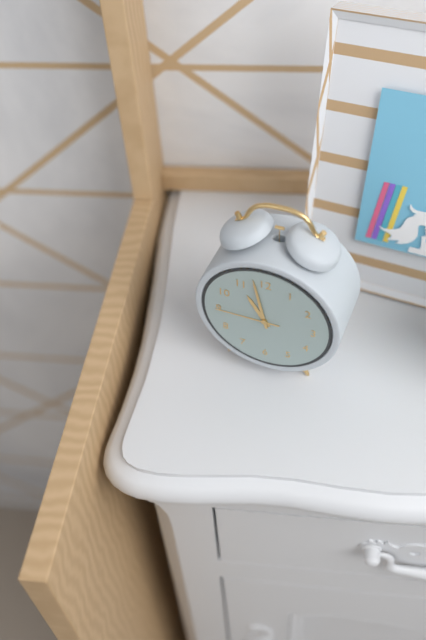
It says 10 h 58 min 45 s
